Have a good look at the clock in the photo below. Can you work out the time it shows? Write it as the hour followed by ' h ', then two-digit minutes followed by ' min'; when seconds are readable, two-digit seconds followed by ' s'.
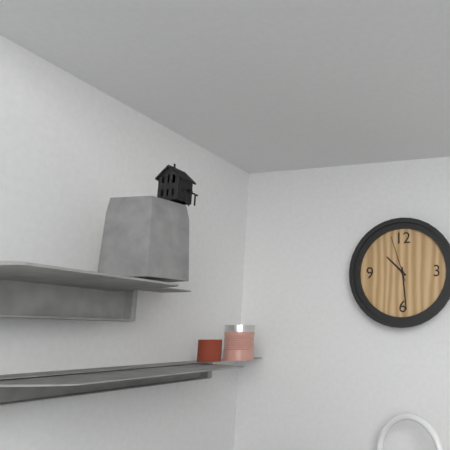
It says 10 h 29 min
